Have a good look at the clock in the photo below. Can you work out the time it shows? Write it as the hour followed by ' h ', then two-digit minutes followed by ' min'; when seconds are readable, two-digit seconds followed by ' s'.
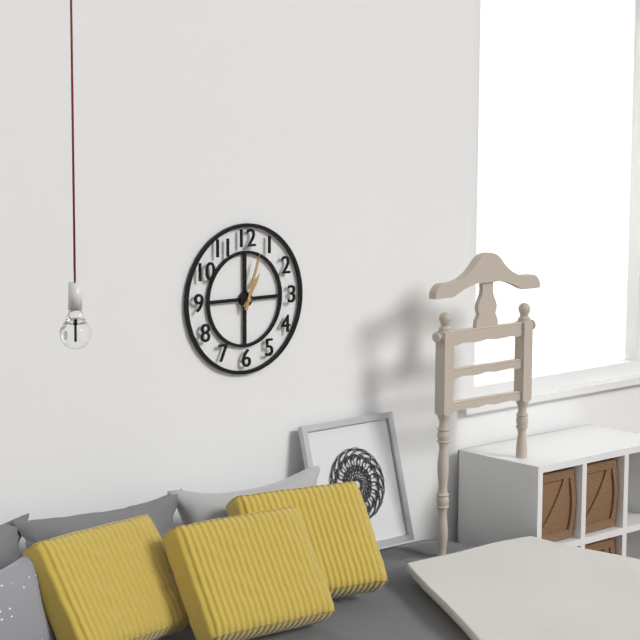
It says 1 h 03 min
